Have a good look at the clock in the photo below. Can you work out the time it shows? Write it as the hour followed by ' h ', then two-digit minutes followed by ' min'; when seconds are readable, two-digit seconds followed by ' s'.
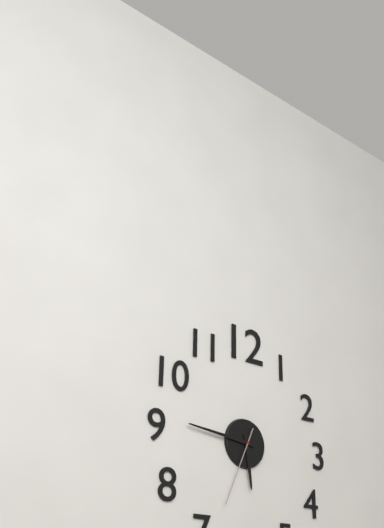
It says 5 h 46 min 34 s
